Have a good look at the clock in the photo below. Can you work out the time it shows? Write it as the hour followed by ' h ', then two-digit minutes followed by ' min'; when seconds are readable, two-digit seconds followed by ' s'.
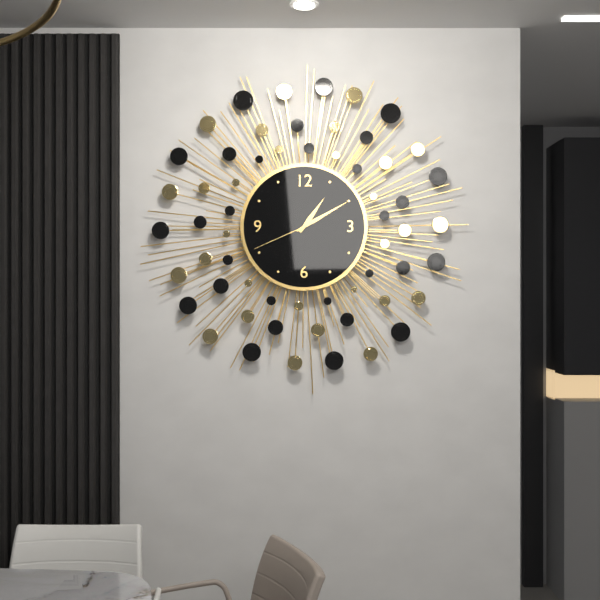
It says 1 h 10 min 41 s
